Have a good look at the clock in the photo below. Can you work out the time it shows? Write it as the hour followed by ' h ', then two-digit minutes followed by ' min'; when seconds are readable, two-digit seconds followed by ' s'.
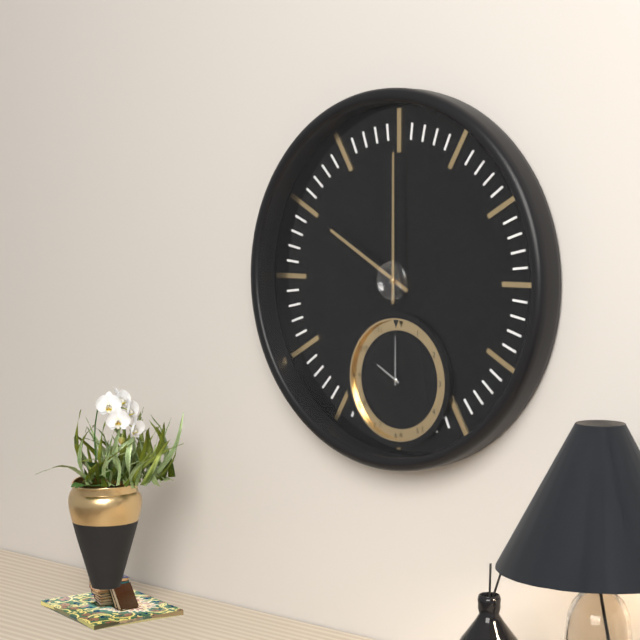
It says 10 h 00 min
